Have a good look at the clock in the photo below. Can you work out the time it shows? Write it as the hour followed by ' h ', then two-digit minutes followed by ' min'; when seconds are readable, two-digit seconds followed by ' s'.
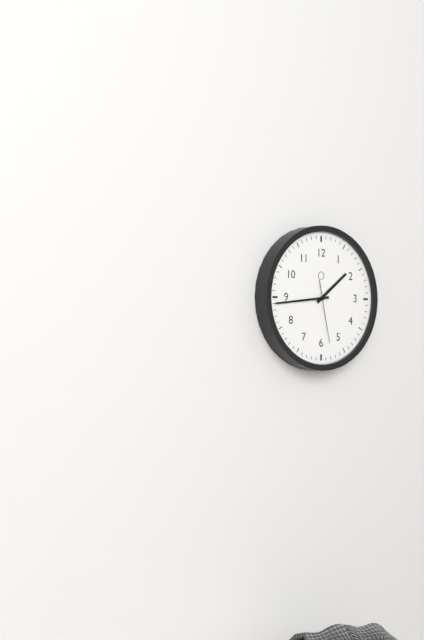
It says 1 h 44 min 28 s
